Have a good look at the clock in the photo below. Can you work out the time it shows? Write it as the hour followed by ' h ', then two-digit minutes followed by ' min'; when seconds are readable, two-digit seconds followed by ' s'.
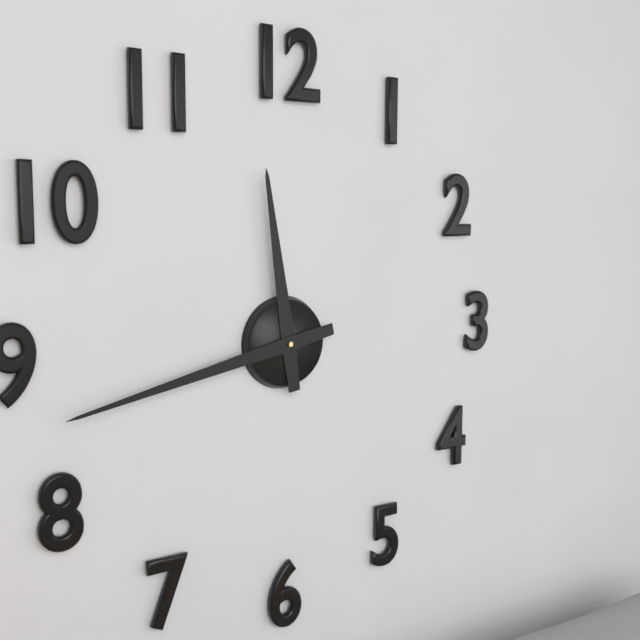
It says 11 h 43 min
